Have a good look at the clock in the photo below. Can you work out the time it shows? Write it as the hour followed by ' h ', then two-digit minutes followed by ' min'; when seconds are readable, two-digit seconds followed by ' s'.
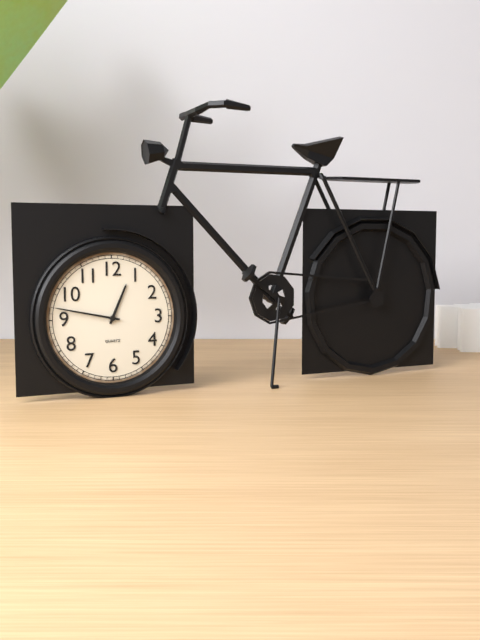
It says 12 h 47 min
